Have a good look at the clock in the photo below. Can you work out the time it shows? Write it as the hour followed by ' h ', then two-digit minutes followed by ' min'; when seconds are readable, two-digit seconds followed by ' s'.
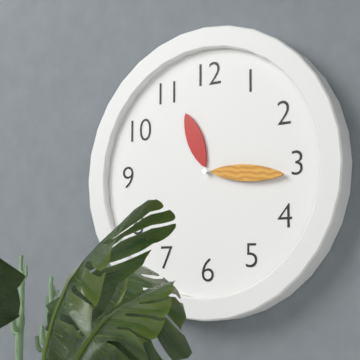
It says 11 h 16 min
